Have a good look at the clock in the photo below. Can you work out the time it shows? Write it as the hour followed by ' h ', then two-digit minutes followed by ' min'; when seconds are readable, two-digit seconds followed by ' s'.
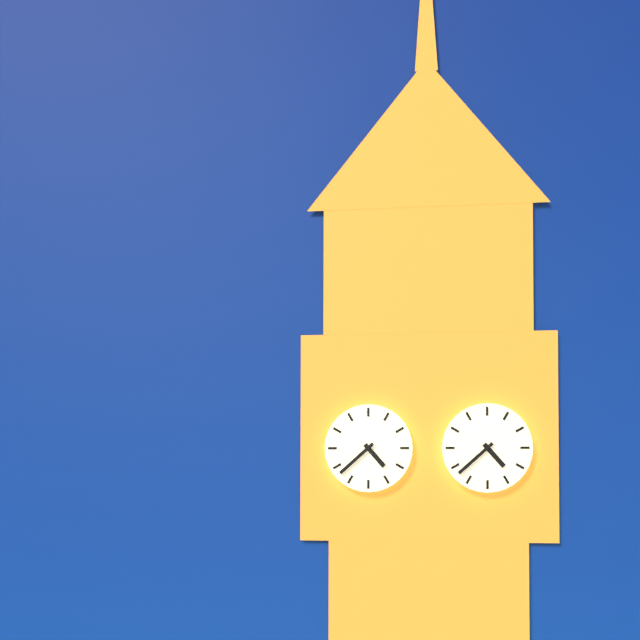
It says 4 h 38 min
